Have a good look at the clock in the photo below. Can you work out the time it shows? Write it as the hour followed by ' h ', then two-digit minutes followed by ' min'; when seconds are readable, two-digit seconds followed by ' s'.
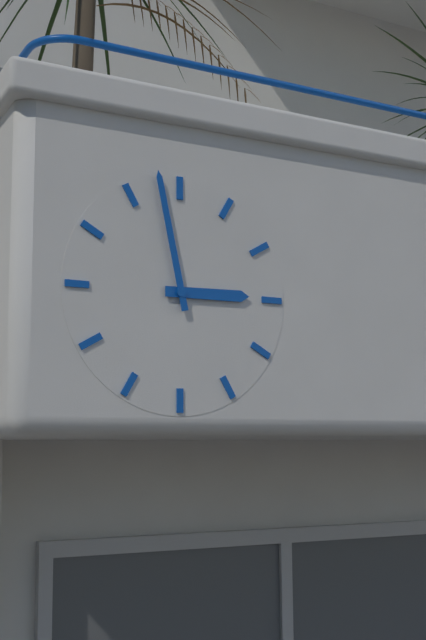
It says 2 h 58 min
